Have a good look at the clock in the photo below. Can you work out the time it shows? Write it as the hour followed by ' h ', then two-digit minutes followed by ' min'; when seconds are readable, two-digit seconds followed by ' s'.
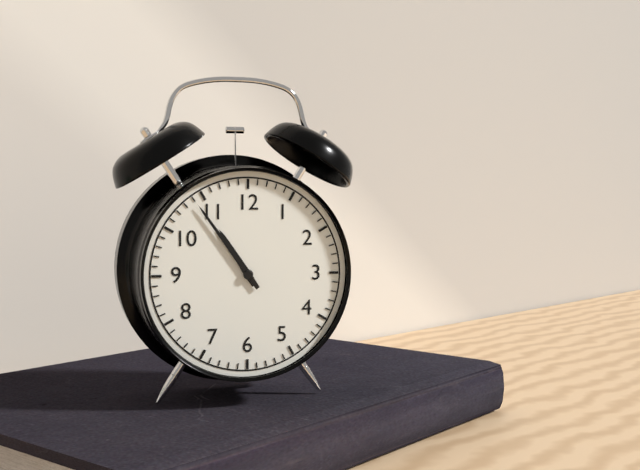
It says 10 h 54 min
